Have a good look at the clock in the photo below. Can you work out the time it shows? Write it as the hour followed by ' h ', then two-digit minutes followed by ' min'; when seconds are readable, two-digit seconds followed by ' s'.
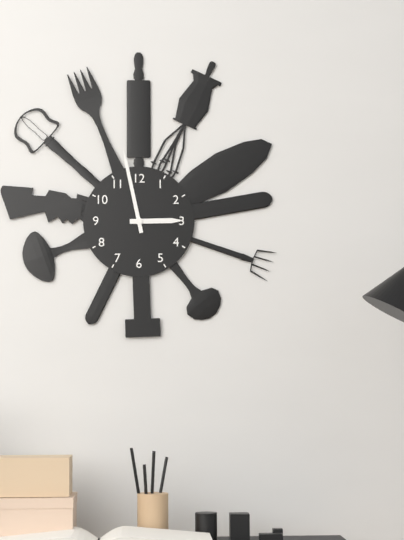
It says 2 h 58 min
